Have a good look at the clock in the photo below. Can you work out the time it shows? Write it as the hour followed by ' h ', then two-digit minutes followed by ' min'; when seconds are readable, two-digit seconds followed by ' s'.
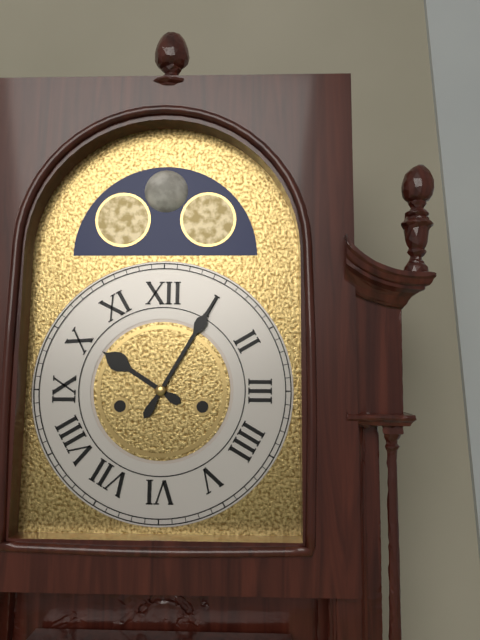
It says 10 h 05 min
